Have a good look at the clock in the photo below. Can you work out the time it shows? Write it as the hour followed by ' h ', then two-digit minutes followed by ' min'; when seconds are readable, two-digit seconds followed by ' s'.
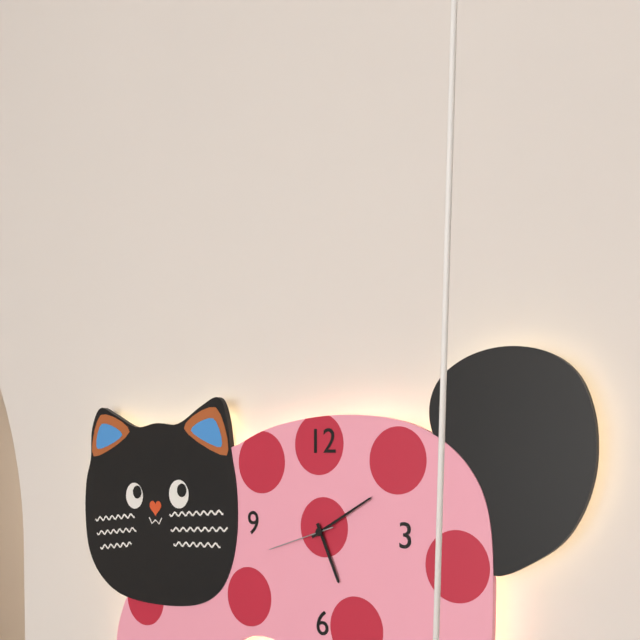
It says 5 h 10 min 42 s
